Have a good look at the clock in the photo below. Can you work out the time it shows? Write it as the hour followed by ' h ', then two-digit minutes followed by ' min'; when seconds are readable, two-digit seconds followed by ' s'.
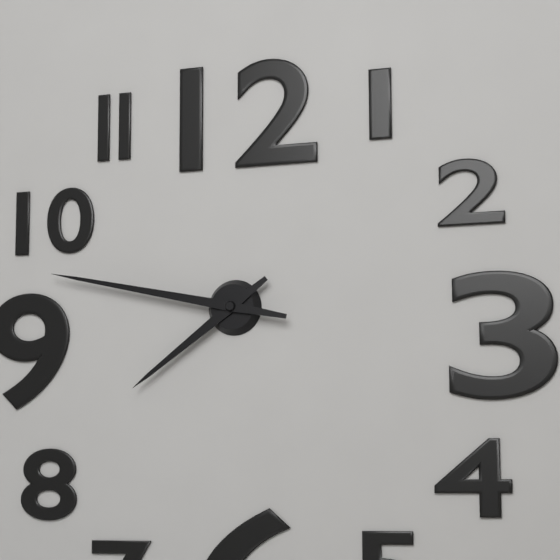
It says 7 h 47 min
